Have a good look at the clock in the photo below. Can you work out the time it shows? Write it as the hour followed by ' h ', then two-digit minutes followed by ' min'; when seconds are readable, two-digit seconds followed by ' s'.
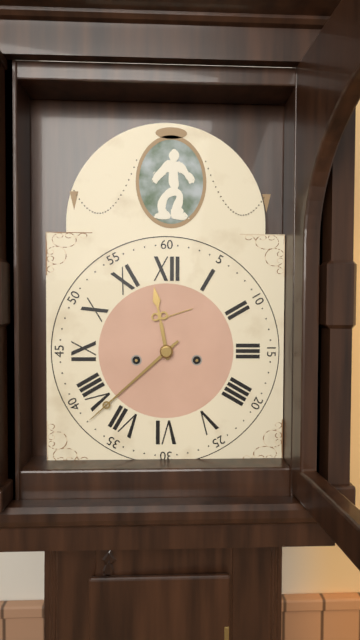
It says 11 h 38 min
